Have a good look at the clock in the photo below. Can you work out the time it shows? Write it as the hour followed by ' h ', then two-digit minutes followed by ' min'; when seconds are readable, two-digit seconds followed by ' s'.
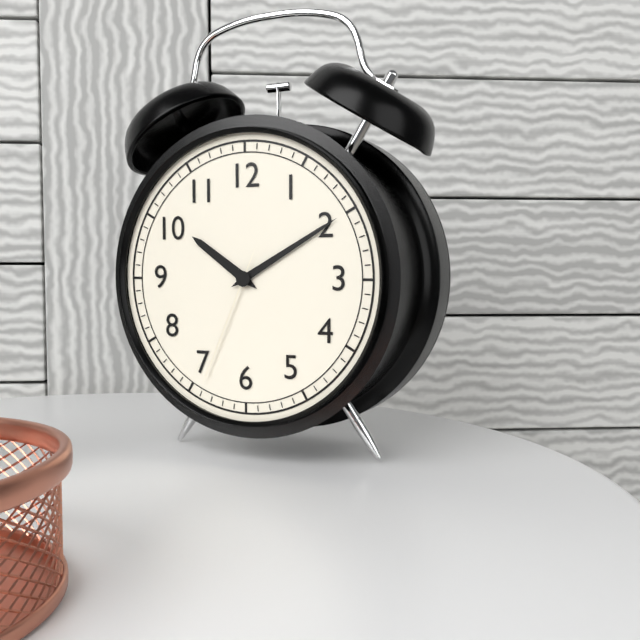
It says 10 h 10 min 34 s
